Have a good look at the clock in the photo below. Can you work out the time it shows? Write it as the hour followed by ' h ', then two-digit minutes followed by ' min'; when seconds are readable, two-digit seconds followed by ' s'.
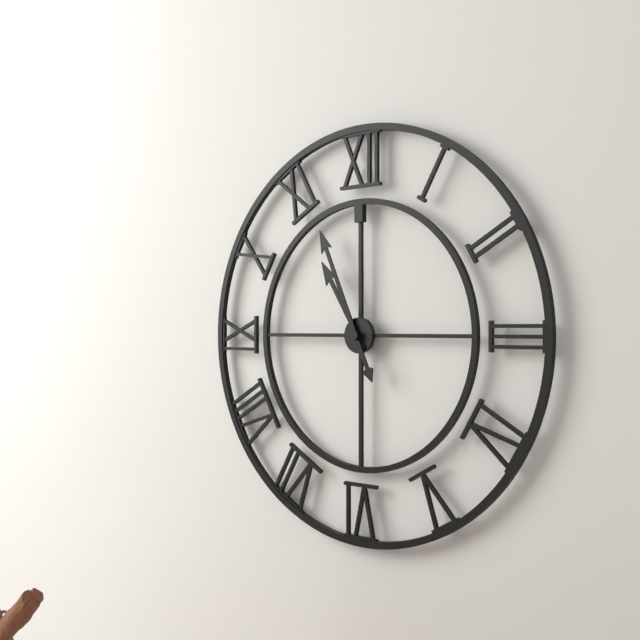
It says 10 h 56 min
